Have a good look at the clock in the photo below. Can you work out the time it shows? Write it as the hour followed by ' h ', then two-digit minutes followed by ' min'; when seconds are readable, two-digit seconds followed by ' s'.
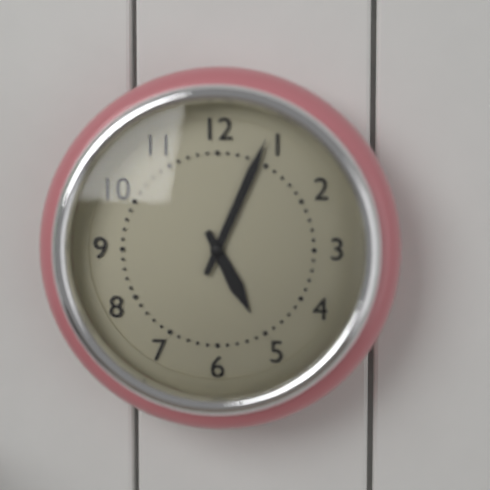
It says 5 h 04 min
